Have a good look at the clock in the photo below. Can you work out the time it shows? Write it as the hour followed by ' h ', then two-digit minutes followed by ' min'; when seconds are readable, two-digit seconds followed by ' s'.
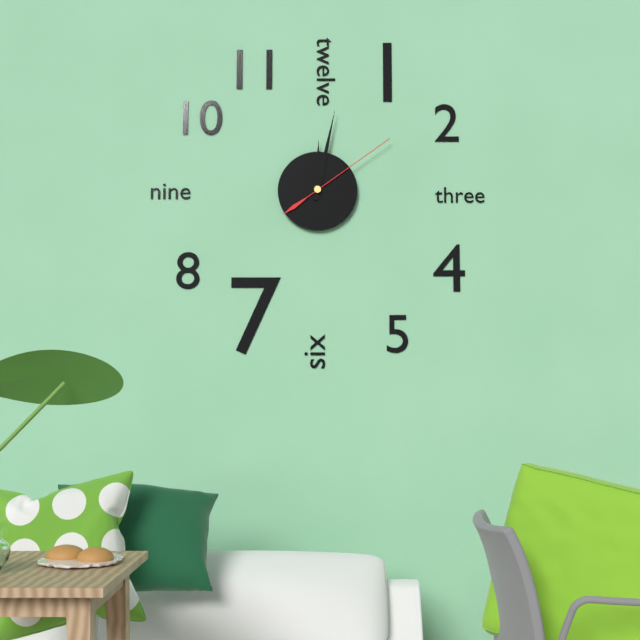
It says 12 h 02 min 09 s
